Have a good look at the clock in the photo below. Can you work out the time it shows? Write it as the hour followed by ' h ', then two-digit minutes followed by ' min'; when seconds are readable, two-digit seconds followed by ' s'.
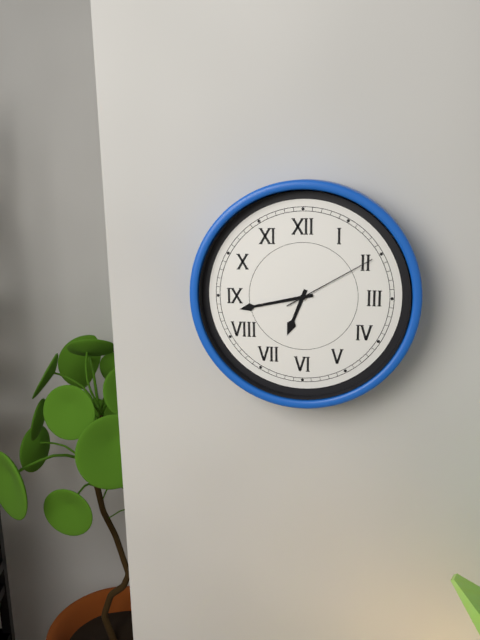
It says 6 h 43 min 10 s
